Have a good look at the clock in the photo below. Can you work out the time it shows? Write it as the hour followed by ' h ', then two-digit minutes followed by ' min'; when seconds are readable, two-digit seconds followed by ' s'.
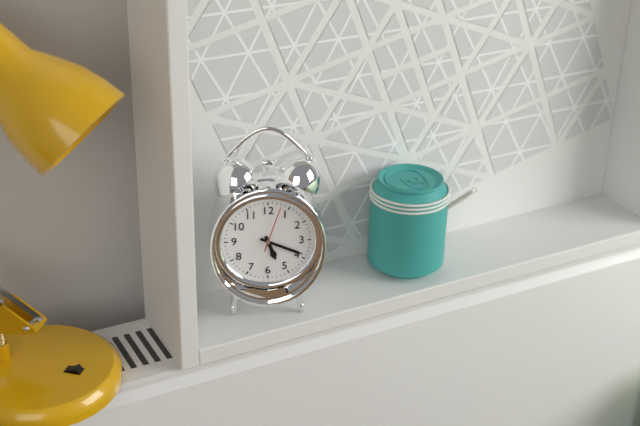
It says 5 h 19 min
